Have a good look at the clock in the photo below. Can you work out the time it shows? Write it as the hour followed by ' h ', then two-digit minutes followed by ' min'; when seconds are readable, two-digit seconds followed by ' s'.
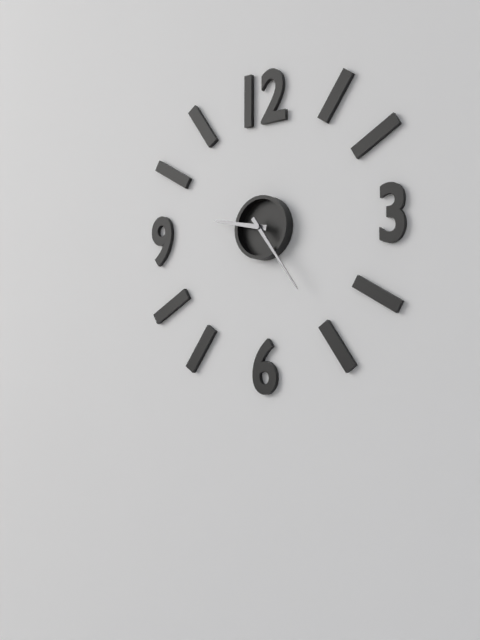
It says 9 h 24 min
